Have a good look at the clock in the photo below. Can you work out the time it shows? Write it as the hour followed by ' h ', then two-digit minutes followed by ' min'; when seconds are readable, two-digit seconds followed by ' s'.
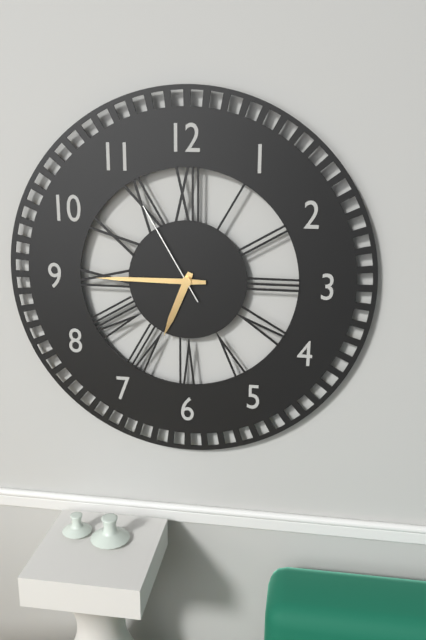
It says 6 h 45 min 55 s
